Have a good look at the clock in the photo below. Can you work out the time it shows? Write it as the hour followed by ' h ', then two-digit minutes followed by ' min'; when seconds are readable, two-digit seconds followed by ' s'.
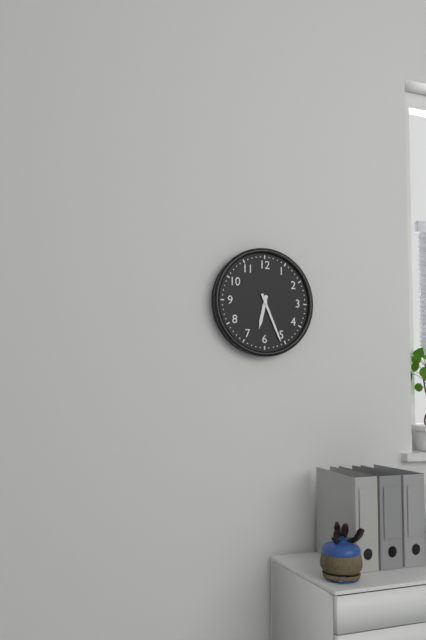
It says 6 h 26 min
